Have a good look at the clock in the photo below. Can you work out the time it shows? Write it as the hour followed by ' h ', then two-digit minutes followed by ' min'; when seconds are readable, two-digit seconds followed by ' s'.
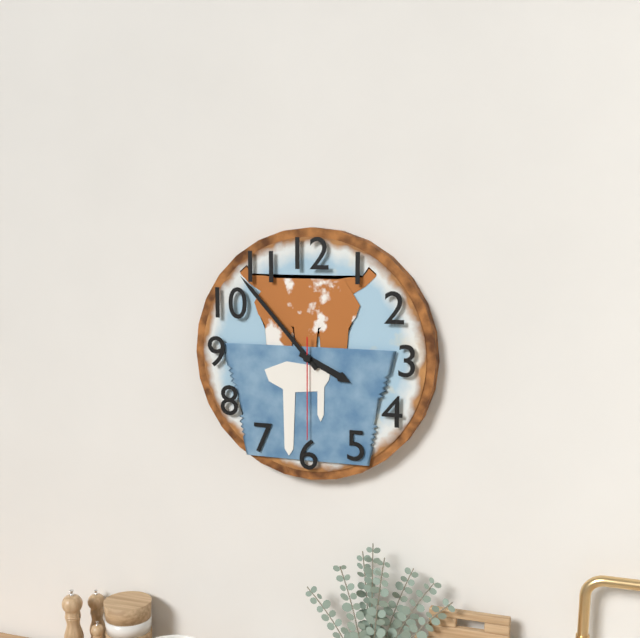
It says 3 h 53 min 30 s
